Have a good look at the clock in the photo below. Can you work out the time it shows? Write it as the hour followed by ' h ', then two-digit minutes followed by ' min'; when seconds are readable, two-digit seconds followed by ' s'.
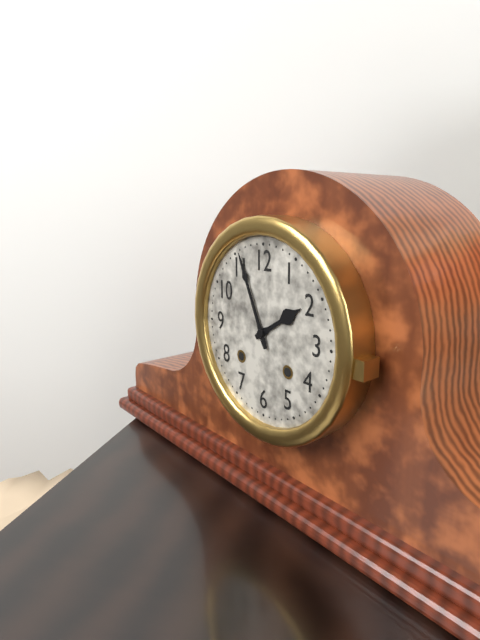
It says 1 h 56 min
